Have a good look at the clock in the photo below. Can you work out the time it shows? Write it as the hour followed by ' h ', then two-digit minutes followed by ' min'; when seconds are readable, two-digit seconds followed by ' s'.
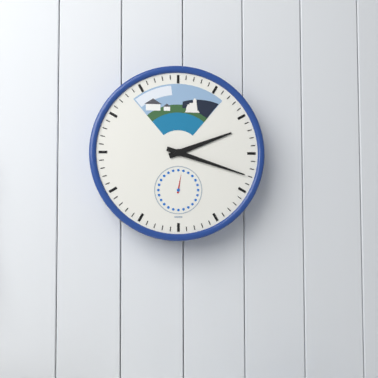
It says 2 h 18 min
